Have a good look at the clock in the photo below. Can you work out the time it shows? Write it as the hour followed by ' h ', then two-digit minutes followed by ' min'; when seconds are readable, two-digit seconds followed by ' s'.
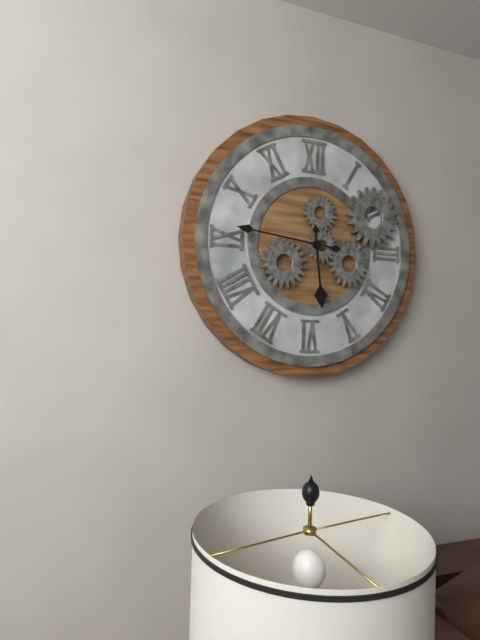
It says 5 h 46 min
